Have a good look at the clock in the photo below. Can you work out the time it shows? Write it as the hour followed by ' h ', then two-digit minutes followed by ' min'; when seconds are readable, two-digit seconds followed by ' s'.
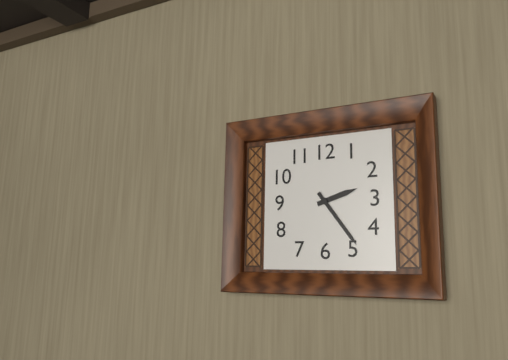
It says 2 h 24 min
